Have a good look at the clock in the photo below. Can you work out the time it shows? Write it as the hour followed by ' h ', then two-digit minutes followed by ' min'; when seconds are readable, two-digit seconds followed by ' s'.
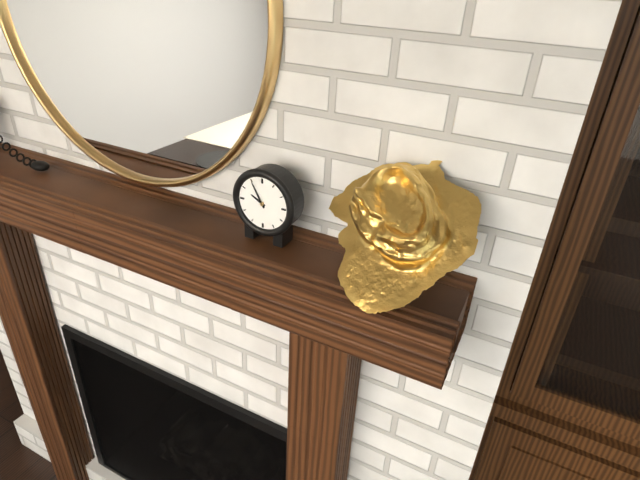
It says 9 h 55 min
